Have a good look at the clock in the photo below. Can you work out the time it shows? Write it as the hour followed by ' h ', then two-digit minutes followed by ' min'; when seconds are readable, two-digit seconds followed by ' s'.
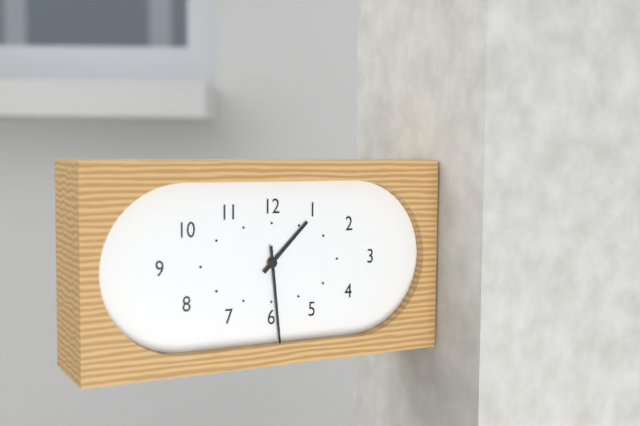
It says 1 h 29 min
